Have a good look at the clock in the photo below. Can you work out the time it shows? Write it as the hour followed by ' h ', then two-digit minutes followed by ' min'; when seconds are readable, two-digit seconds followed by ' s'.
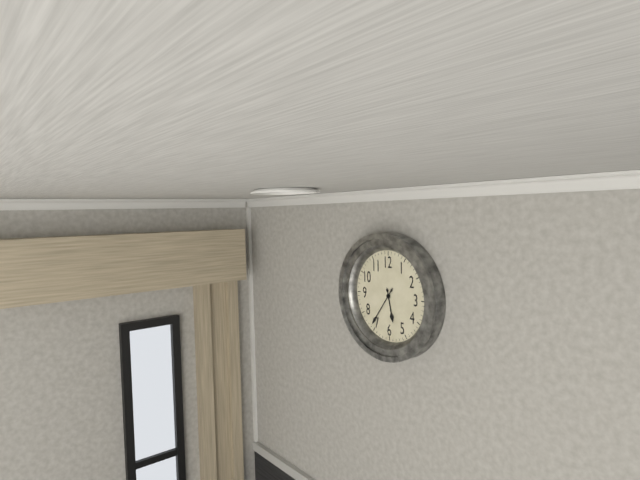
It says 5 h 36 min
